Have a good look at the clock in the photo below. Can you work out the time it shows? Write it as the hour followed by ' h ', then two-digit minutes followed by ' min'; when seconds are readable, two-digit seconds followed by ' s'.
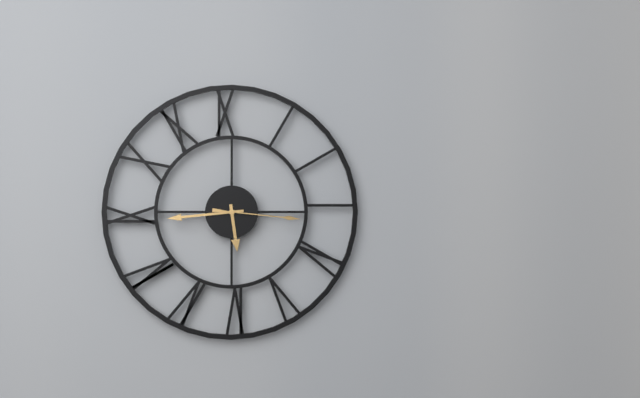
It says 5 h 44 min 16 s
